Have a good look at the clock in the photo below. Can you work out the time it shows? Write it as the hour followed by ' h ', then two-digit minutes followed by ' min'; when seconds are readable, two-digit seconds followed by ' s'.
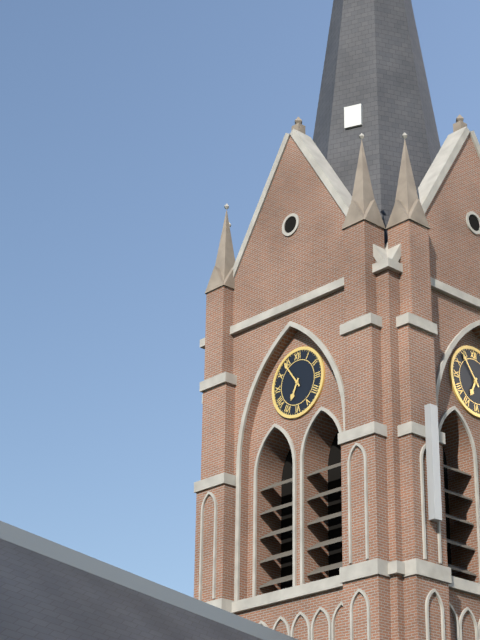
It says 6 h 54 min
